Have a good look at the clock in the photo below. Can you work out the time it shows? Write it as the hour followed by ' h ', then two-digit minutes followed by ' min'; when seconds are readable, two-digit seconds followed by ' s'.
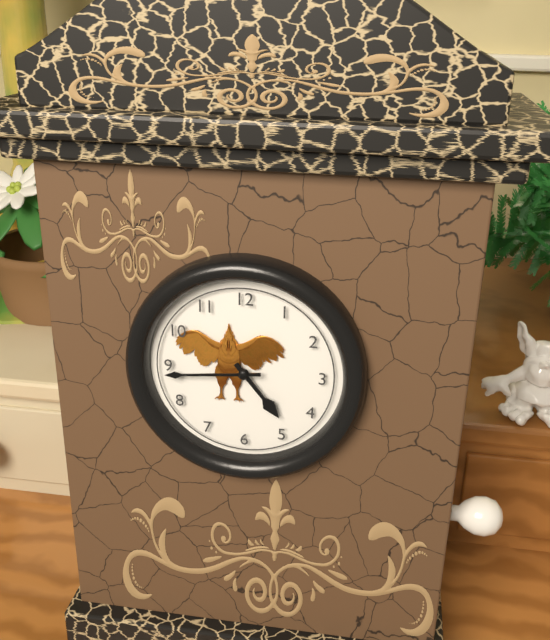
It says 4 h 44 min
